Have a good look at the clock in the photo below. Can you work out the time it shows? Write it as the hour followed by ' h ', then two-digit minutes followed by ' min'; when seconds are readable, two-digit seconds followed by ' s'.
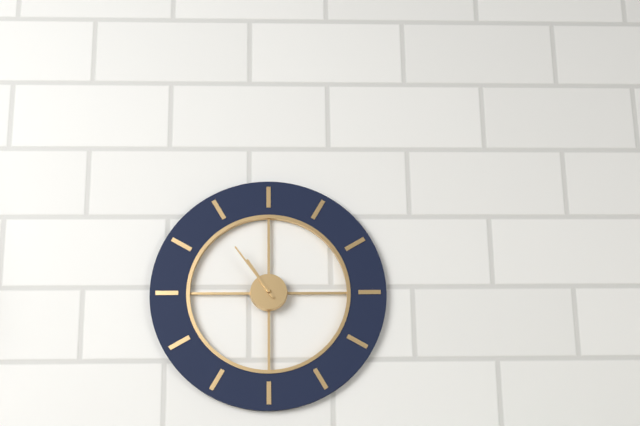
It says 10 h 54 min
